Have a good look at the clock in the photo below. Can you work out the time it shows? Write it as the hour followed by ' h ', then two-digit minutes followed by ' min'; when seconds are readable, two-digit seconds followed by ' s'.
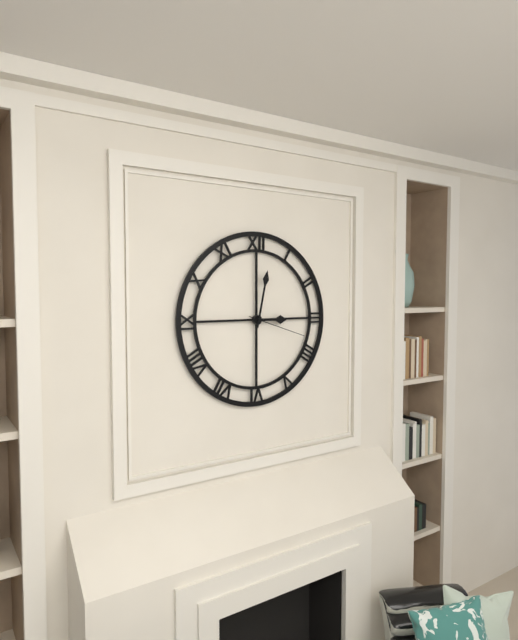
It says 3 h 02 min 18 s
